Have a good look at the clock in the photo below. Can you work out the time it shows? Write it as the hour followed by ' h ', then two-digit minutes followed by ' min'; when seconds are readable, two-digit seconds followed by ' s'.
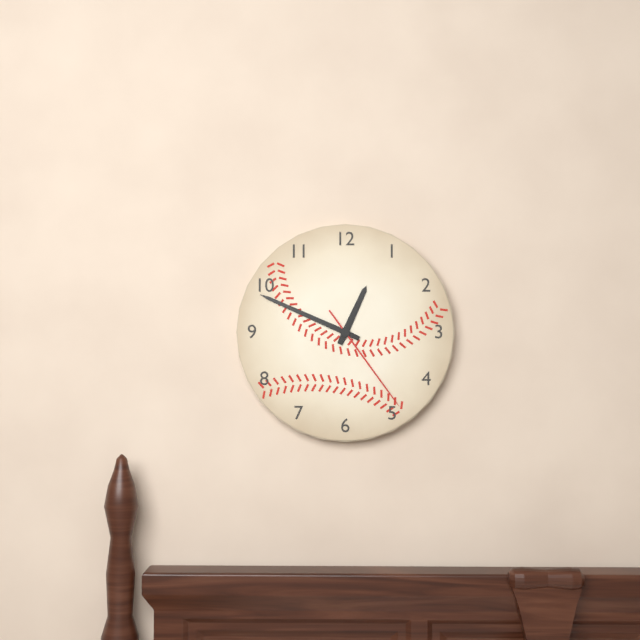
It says 12 h 49 min 24 s
